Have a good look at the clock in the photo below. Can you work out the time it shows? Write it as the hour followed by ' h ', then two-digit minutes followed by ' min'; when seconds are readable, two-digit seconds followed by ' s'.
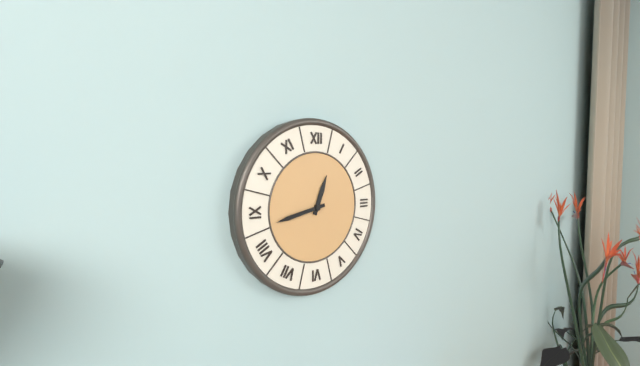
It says 12 h 43 min
